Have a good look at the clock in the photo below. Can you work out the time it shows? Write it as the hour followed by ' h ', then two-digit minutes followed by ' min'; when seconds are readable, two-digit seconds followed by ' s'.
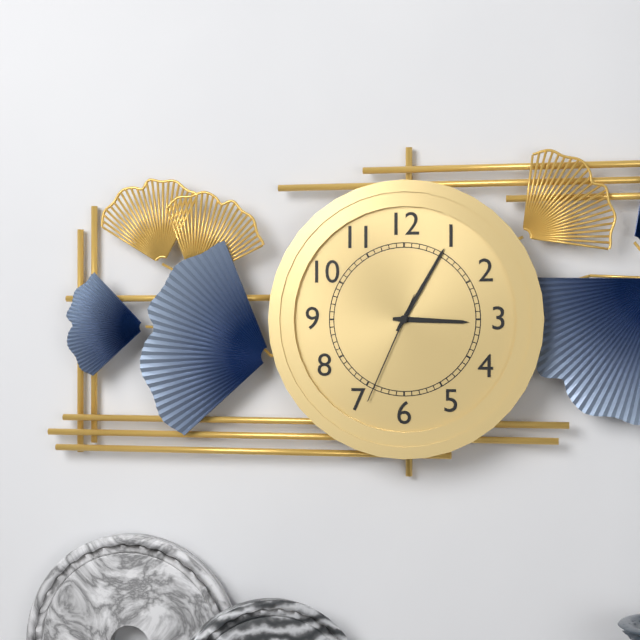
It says 3 h 05 min 34 s
